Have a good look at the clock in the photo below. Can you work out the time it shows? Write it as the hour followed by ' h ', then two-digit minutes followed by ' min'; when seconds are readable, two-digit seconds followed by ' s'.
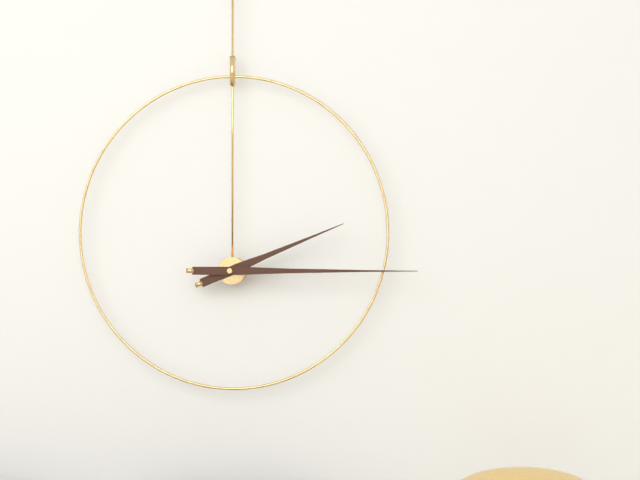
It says 2 h 15 min
